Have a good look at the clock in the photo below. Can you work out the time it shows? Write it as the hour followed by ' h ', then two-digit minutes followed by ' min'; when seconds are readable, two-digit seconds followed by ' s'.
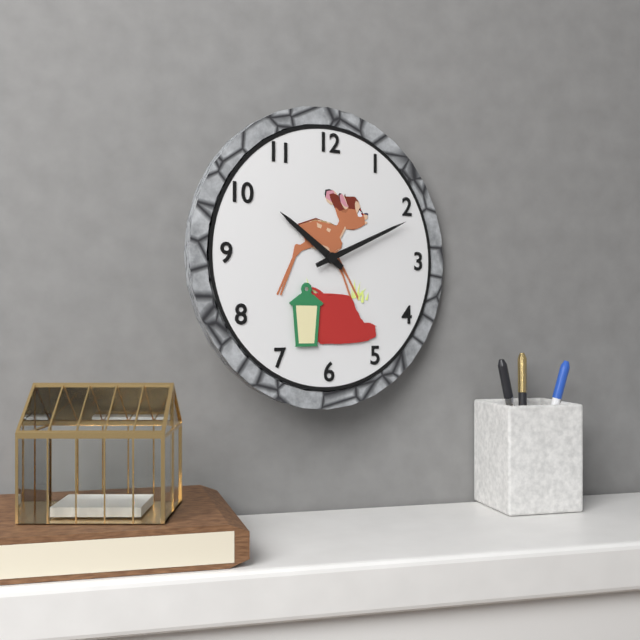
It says 10 h 11 min
